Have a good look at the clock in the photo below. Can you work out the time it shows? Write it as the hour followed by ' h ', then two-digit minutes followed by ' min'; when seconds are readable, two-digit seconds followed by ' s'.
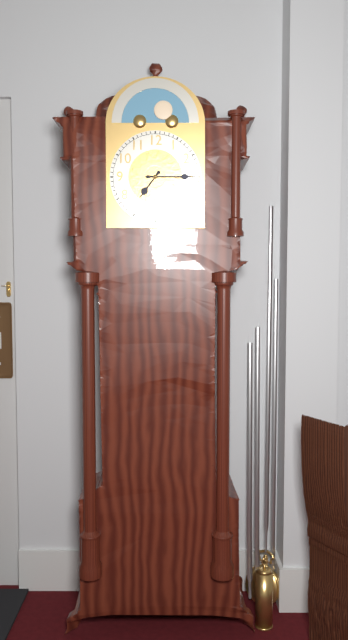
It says 7 h 15 min
